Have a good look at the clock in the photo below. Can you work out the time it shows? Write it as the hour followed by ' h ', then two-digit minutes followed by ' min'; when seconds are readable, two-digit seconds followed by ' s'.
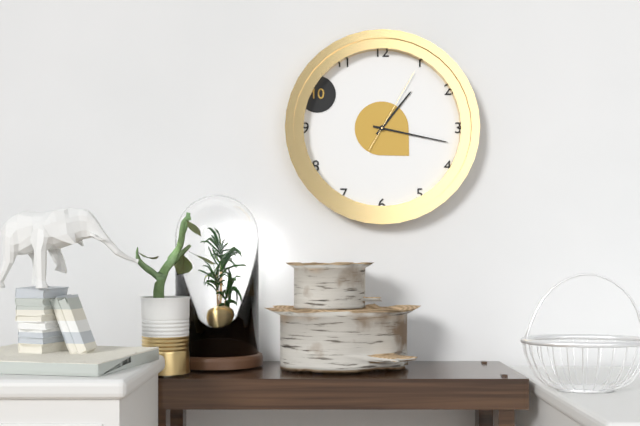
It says 1 h 17 min 05 s
